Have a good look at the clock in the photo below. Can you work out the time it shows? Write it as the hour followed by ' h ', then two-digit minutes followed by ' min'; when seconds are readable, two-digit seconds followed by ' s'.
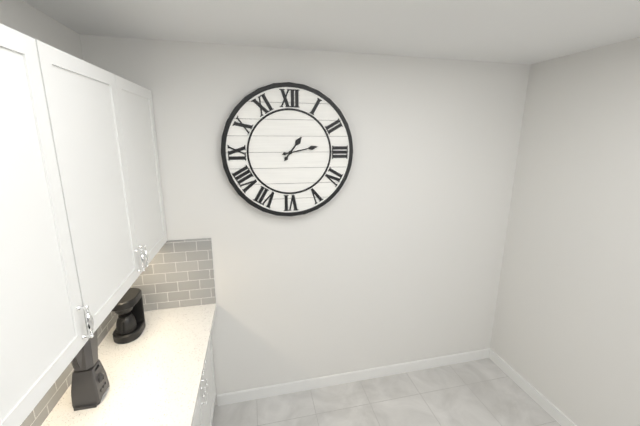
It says 1 h 13 min
